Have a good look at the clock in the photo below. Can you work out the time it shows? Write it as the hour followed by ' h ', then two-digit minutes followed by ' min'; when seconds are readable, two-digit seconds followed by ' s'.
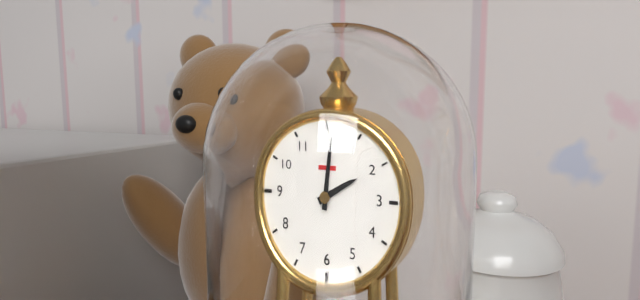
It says 2 h 01 min
